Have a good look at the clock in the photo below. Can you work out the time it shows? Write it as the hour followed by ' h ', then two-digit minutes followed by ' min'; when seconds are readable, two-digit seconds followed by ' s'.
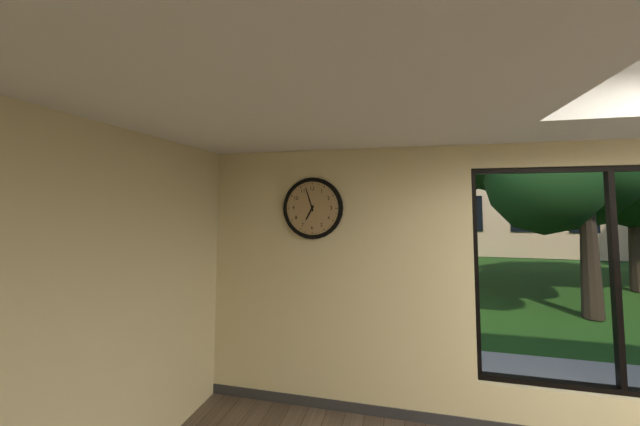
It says 6 h 57 min
